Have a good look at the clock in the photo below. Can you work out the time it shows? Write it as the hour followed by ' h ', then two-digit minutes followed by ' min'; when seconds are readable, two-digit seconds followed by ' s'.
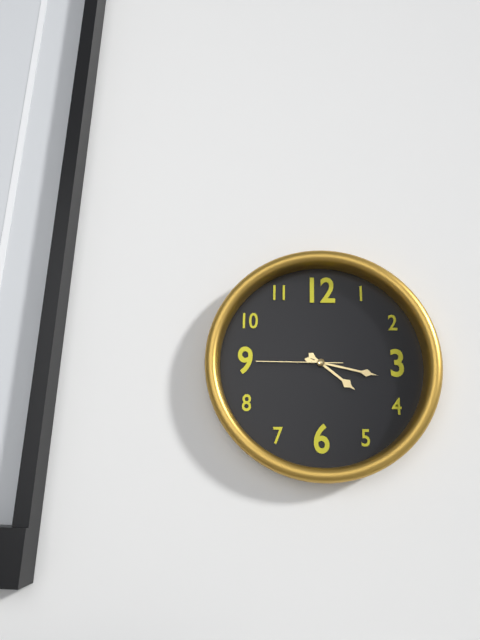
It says 4 h 17 min 45 s
